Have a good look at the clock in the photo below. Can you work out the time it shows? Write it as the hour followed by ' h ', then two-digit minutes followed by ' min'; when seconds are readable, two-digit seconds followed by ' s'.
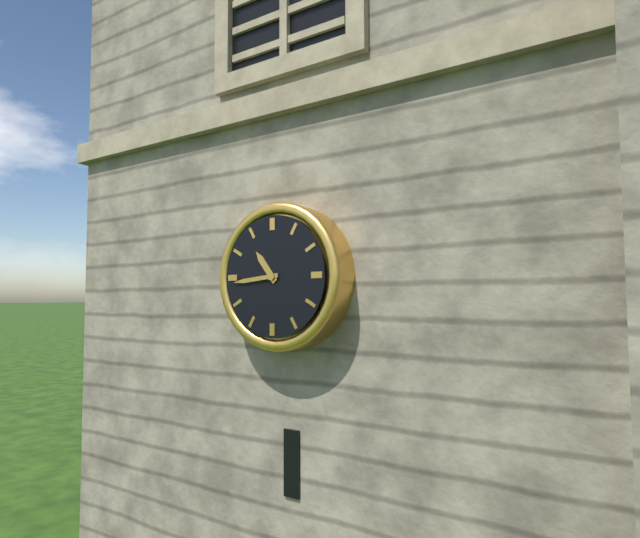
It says 10 h 44 min
